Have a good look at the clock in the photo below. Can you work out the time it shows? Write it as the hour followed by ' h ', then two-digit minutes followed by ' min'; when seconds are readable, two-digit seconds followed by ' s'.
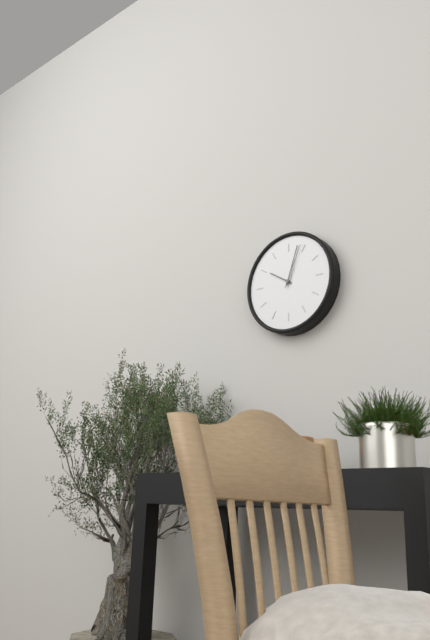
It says 10 h 03 min
